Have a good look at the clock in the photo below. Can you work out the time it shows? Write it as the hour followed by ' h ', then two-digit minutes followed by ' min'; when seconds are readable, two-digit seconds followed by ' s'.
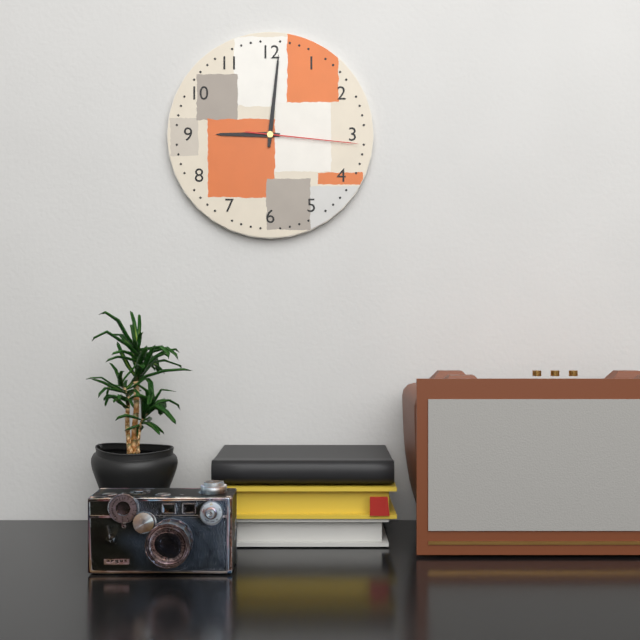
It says 9 h 01 min 16 s
